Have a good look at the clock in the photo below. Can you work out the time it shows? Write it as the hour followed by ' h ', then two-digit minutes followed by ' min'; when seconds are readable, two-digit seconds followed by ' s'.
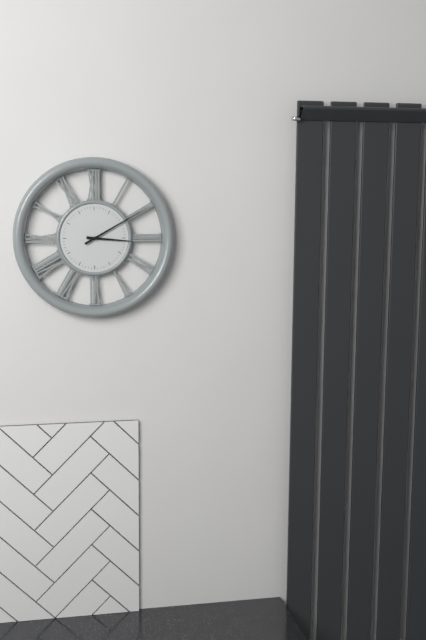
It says 3 h 10 min
